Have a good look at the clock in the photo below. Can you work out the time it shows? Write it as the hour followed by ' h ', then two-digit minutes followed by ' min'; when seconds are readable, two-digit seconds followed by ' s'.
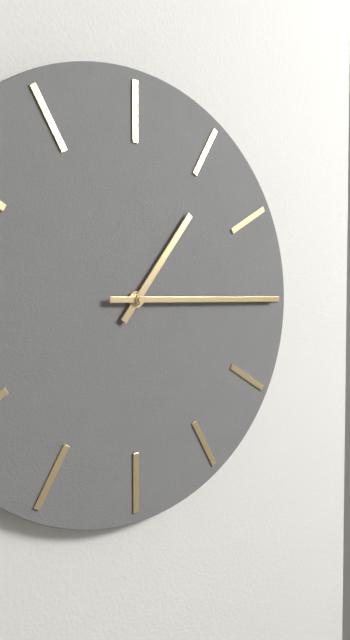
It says 1 h 15 min
